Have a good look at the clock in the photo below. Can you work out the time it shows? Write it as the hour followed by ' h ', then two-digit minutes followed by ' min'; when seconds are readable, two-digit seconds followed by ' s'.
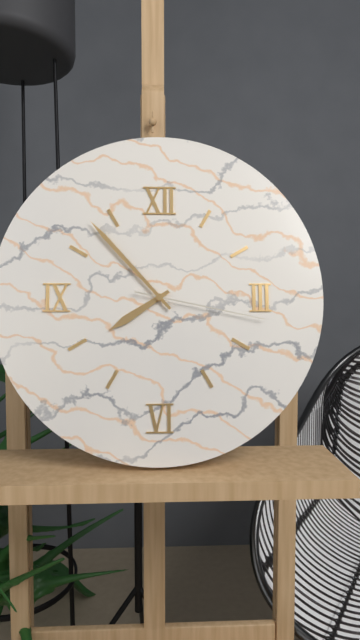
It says 7 h 53 min 17 s
